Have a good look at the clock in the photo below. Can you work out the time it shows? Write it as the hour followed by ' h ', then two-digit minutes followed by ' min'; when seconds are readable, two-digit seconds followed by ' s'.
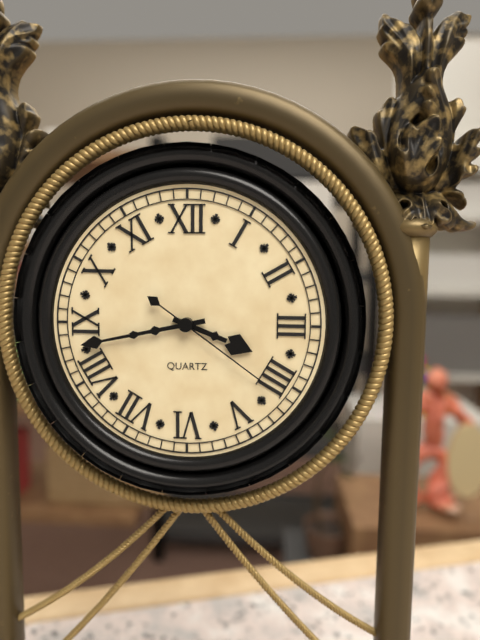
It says 3 h 43 min 21 s
